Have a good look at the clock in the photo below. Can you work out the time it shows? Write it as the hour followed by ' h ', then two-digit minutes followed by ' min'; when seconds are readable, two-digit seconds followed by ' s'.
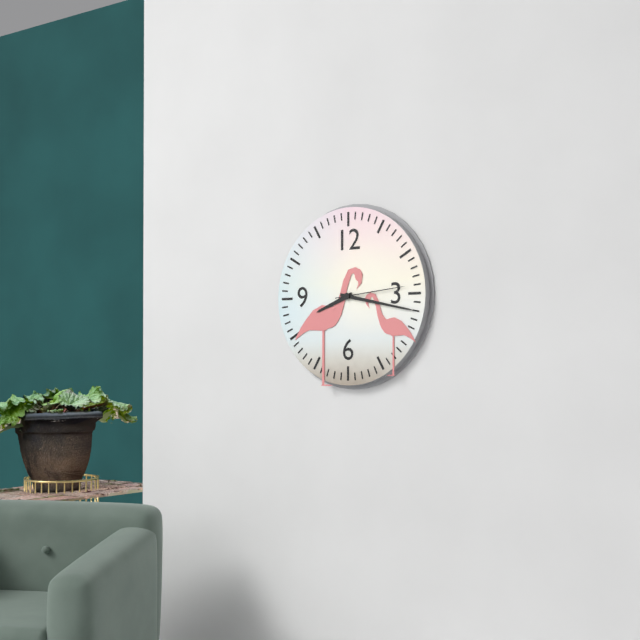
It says 8 h 17 min 14 s
